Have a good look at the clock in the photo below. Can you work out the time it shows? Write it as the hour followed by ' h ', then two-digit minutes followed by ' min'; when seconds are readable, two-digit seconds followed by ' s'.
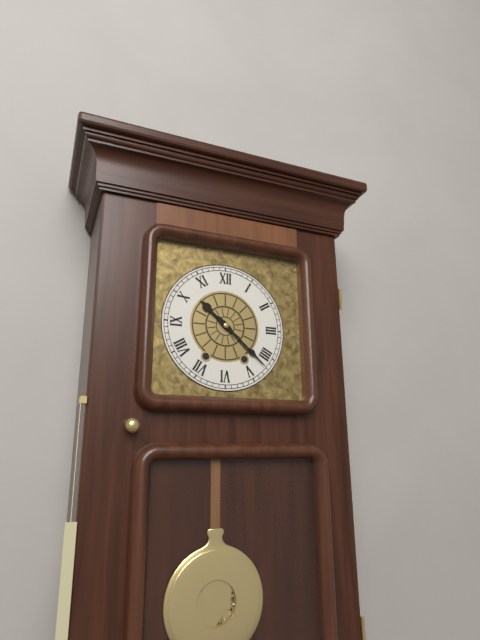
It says 10 h 22 min
